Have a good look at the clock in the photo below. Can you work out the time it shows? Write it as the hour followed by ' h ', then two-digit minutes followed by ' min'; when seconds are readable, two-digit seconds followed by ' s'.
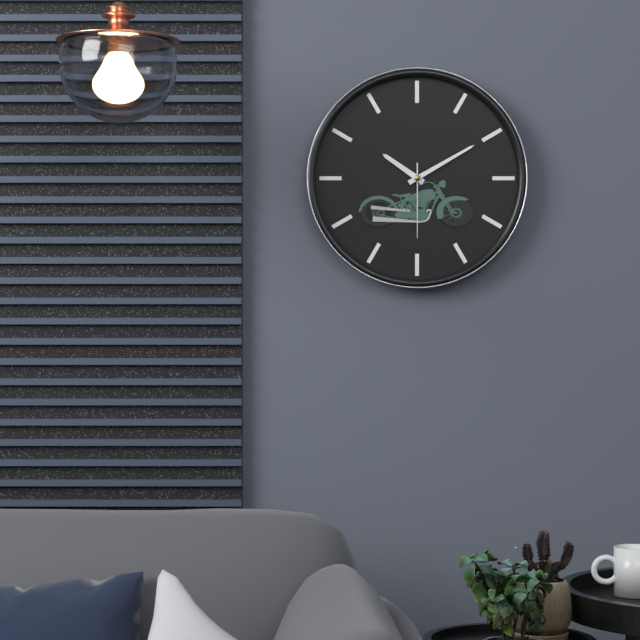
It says 10 h 10 min 30 s
